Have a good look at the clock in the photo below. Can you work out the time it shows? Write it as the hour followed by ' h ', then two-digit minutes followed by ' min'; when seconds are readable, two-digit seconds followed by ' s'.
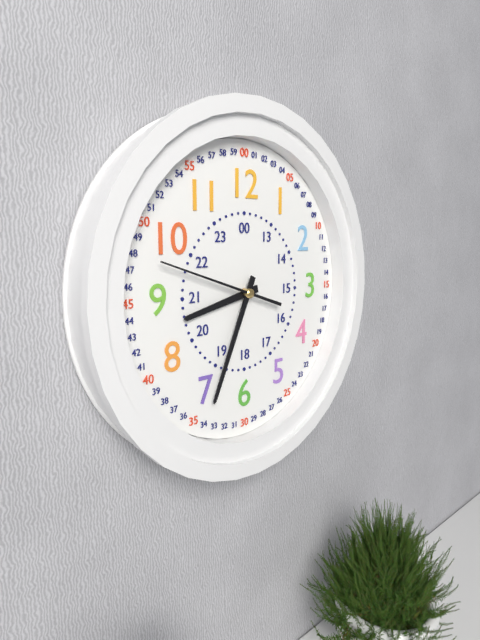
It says 8 h 34 min 48 s
